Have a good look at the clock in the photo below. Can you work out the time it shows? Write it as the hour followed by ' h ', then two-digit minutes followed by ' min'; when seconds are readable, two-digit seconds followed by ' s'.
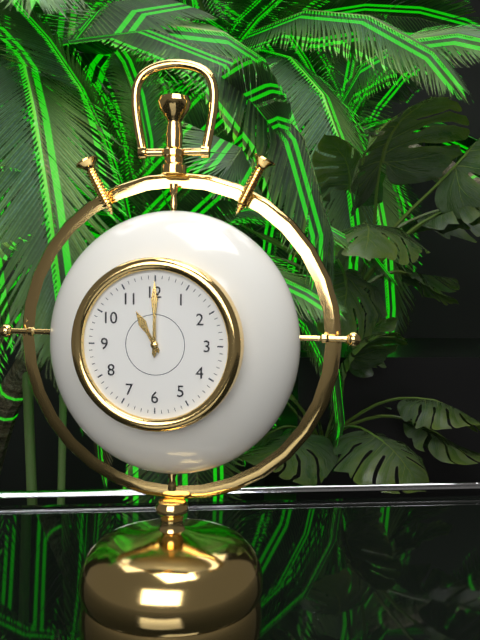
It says 11 h 00 min
